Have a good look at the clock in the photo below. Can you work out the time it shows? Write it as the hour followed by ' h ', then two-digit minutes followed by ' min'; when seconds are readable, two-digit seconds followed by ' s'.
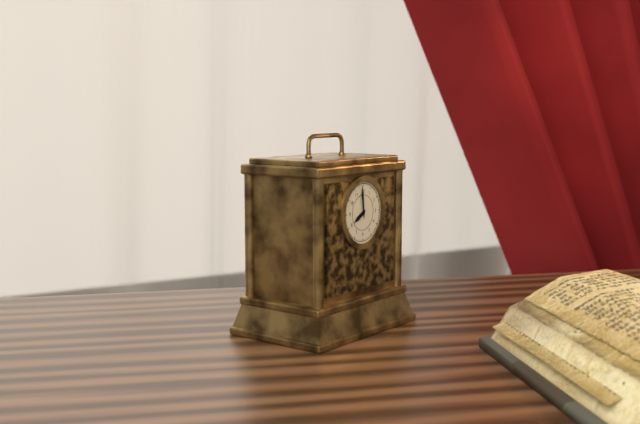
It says 7 h 59 min
